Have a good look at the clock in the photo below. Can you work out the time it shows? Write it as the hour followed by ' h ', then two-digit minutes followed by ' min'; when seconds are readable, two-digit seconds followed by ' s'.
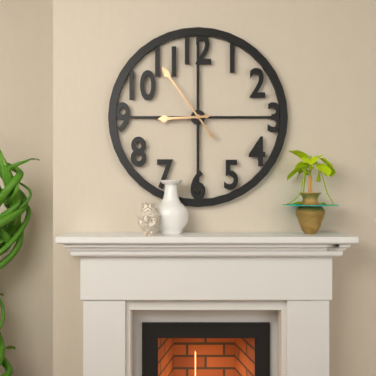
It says 8 h 54 min
